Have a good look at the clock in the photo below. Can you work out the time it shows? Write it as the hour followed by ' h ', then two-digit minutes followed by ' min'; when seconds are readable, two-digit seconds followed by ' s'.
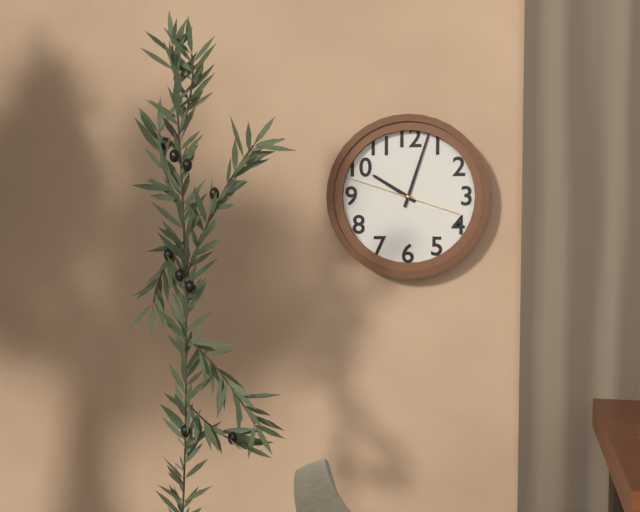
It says 10 h 03 min 48 s
